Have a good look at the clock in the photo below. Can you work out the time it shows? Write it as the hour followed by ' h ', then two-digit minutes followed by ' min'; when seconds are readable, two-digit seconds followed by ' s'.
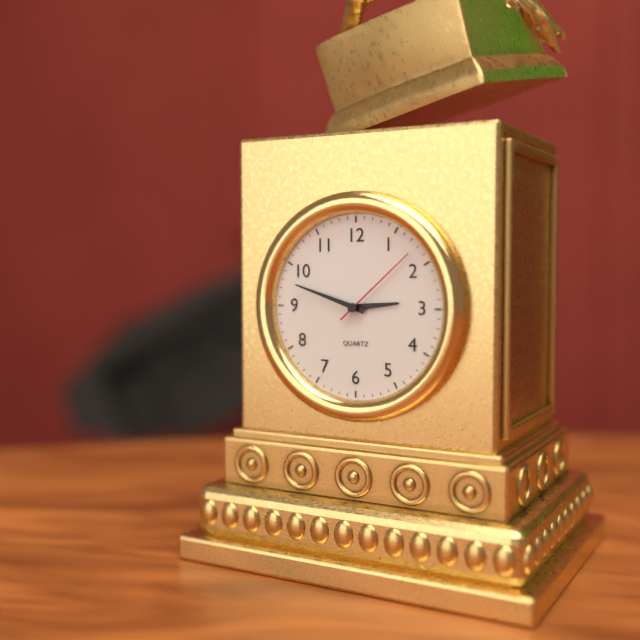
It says 2 h 48 min 08 s
